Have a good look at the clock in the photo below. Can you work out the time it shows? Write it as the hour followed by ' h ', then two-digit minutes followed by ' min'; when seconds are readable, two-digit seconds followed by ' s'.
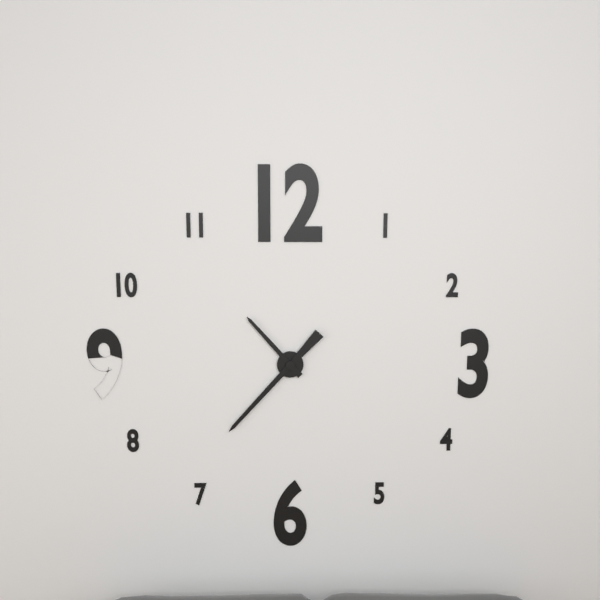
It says 10 h 37 min
